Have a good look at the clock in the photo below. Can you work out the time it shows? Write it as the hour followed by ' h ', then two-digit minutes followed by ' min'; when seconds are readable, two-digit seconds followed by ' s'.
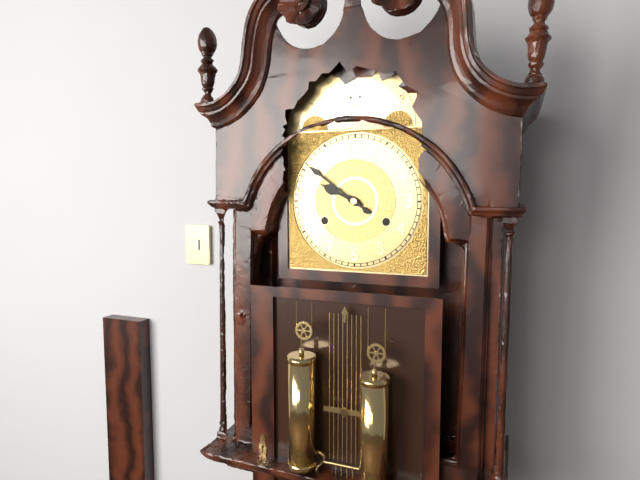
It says 9 h 51 min
